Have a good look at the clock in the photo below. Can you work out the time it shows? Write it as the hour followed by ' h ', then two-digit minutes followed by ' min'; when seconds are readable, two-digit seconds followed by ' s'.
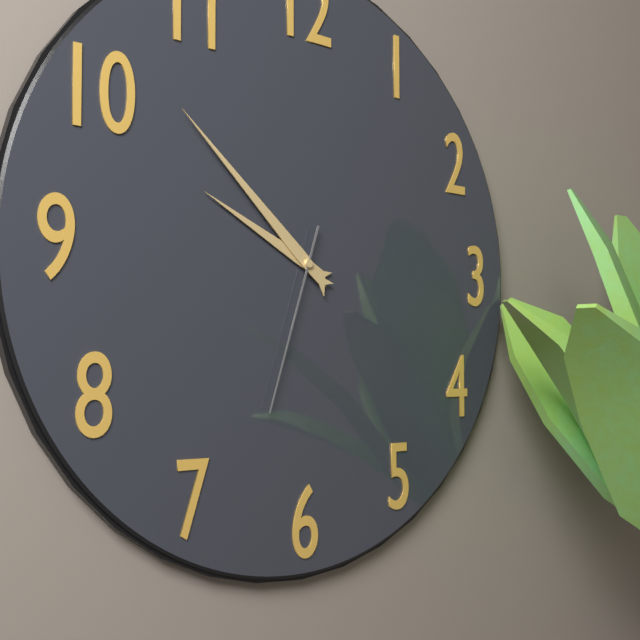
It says 9 h 52 min 33 s
